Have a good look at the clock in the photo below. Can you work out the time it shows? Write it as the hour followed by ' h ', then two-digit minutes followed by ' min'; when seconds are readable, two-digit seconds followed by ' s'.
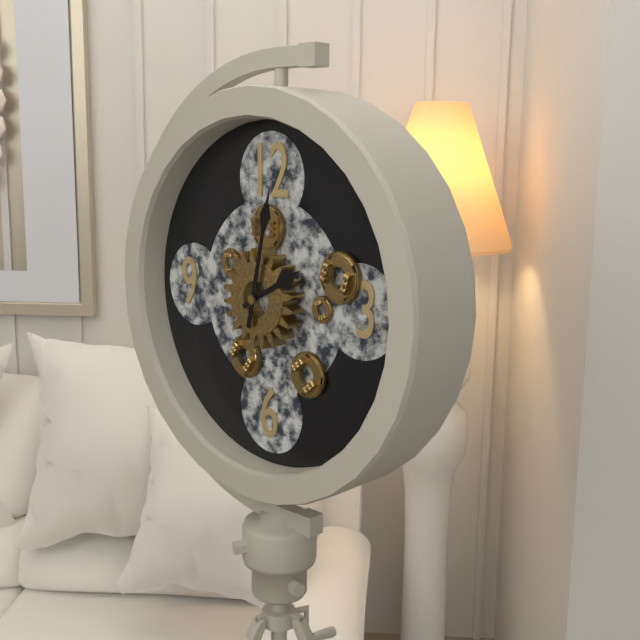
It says 2 h 02 min
